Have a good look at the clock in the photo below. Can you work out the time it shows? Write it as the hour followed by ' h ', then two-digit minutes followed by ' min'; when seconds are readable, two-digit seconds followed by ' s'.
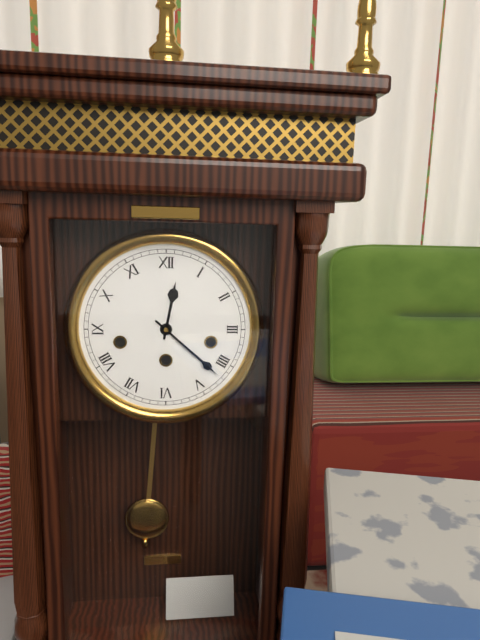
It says 12 h 22 min
